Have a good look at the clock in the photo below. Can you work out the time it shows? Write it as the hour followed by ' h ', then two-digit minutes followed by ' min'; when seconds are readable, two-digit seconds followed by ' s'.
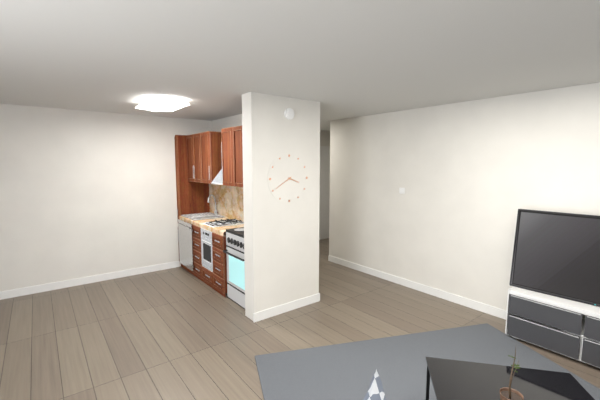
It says 3 h 40 min
